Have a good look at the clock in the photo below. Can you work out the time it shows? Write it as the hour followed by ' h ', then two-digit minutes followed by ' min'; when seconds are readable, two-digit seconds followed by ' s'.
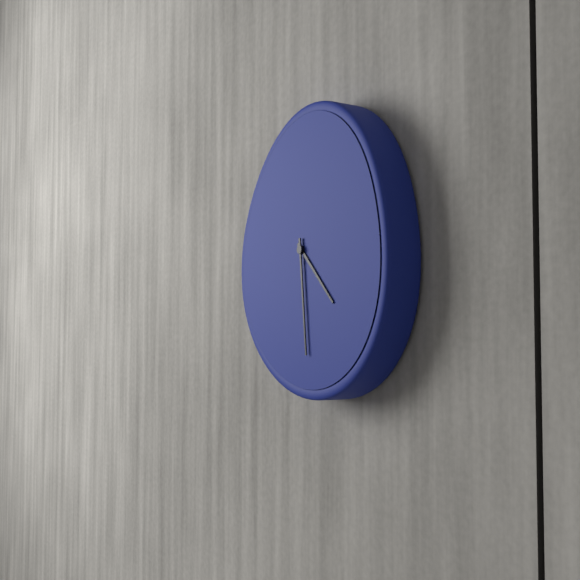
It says 4 h 29 min
